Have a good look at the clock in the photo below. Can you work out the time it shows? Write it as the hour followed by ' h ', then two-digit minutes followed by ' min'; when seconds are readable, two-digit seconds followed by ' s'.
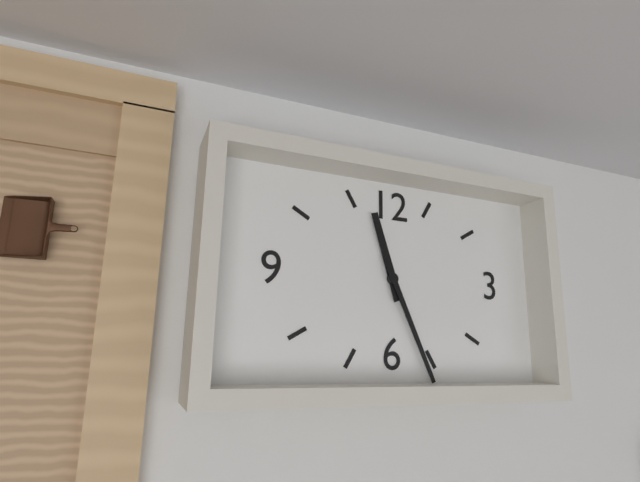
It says 11 h 26 min
